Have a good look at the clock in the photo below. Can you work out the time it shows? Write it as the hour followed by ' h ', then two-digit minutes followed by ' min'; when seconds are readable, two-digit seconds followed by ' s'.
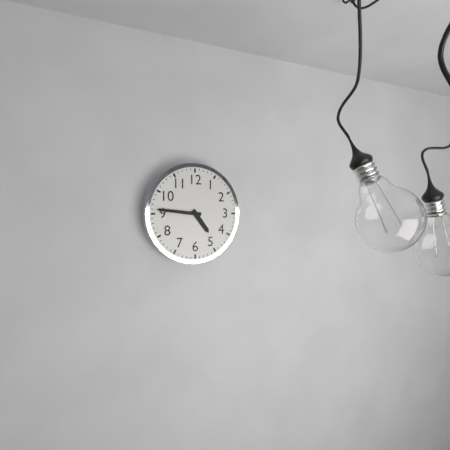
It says 4 h 46 min
